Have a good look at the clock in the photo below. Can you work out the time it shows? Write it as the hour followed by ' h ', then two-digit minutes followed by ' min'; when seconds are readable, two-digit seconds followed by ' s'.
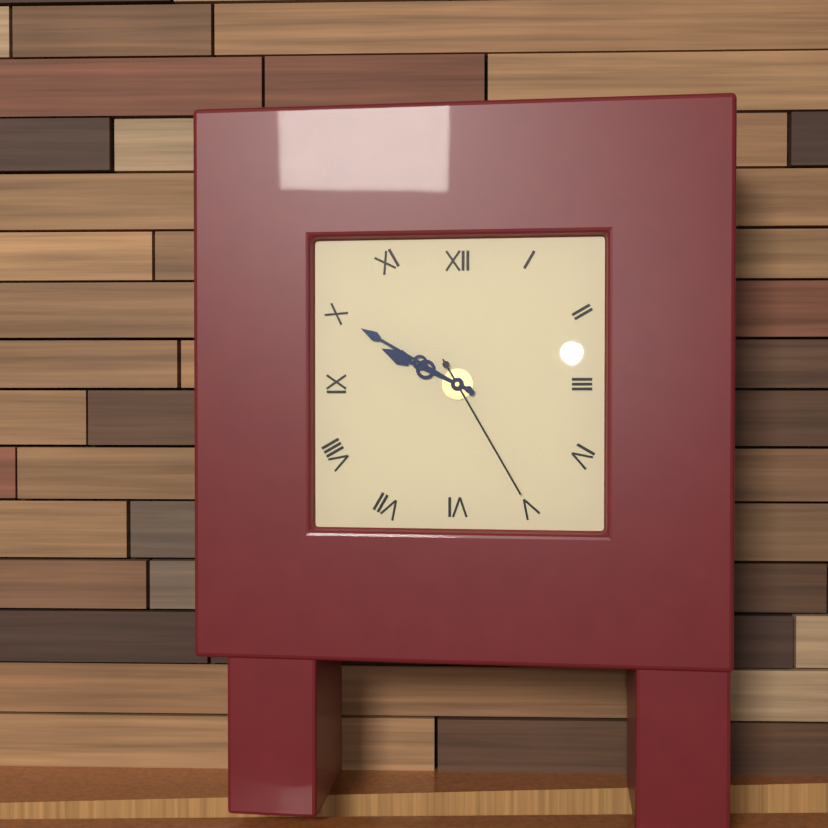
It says 9 h 50 min 25 s
